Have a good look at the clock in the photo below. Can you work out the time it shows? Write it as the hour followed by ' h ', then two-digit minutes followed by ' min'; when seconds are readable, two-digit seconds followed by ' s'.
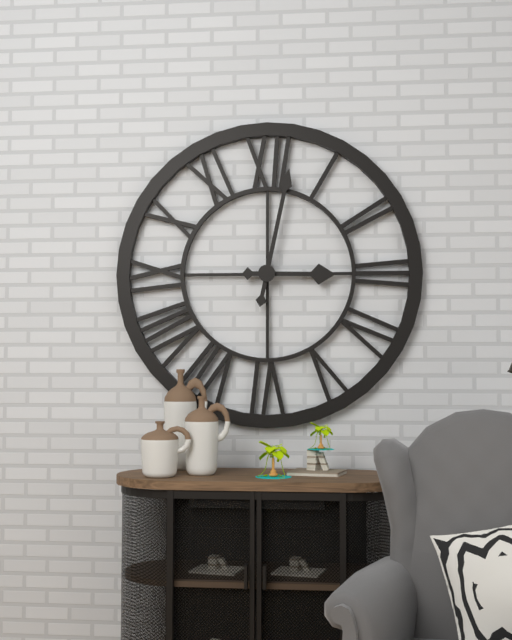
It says 3 h 02 min
